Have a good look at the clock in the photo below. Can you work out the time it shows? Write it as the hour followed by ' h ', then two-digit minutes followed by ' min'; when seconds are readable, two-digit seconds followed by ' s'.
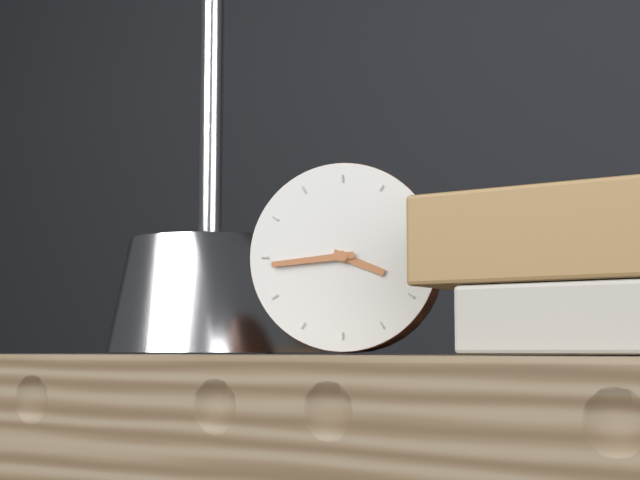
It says 3 h 44 min
